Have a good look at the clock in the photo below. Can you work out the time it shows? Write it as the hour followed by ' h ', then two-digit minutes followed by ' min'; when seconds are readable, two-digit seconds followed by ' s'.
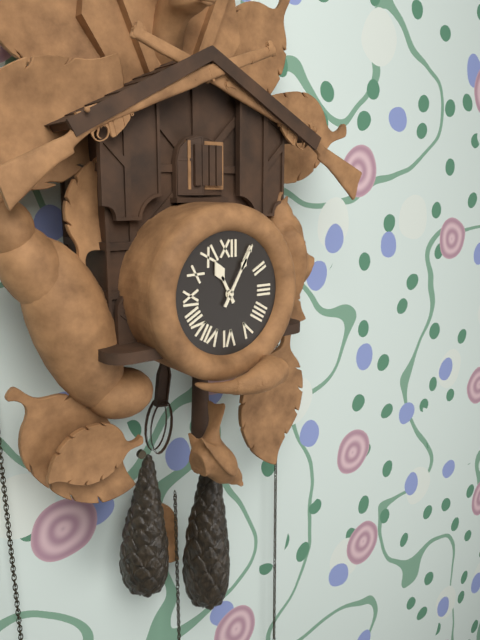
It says 11 h 05 min
